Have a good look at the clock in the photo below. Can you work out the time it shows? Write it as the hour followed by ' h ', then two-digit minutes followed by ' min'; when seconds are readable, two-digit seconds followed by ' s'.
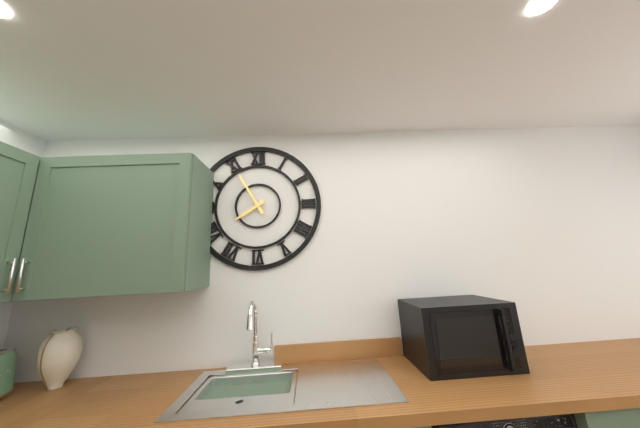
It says 7 h 55 min
